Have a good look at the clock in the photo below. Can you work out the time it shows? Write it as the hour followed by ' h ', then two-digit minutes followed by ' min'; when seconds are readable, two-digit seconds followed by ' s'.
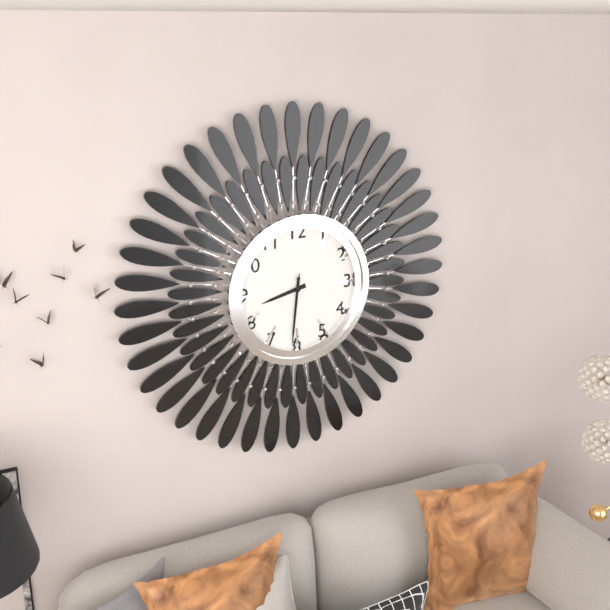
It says 8 h 31 min 31 s
